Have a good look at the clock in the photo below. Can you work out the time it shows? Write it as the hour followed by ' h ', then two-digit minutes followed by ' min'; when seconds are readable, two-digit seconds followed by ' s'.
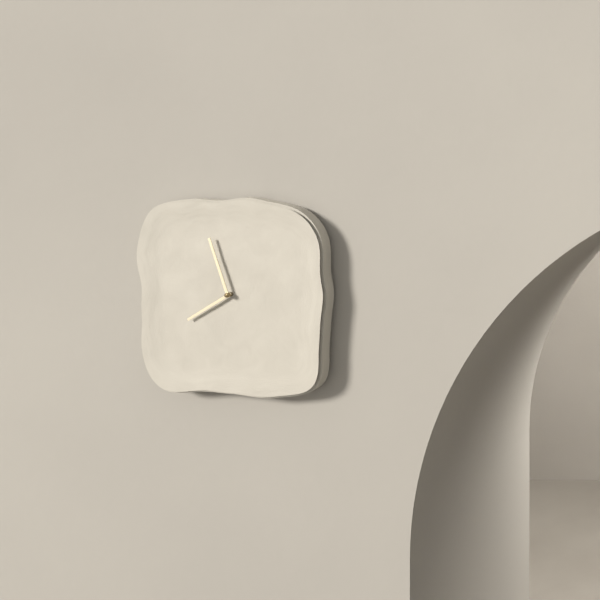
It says 7 h 57 min
